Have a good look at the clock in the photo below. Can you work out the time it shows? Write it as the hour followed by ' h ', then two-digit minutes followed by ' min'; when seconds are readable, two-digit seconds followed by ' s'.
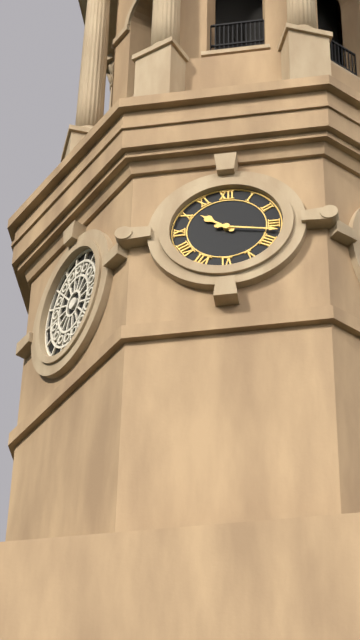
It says 10 h 17 min
